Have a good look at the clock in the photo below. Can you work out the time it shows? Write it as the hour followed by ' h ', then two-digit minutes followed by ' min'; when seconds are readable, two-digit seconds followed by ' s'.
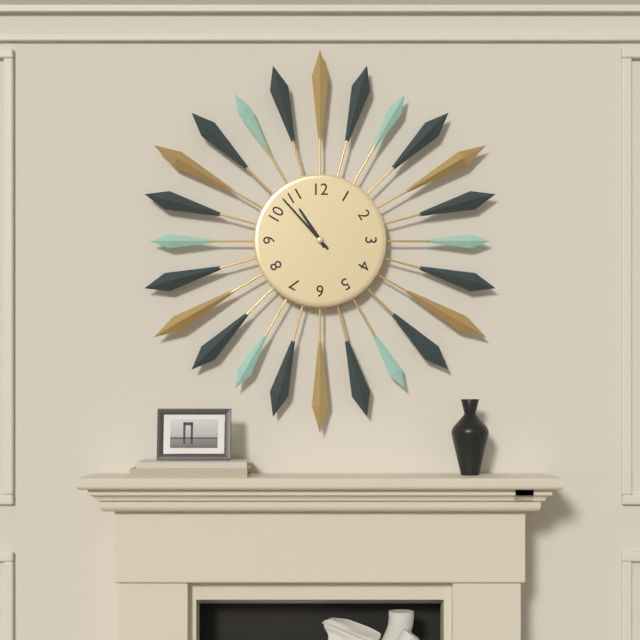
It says 10 h 53 min
